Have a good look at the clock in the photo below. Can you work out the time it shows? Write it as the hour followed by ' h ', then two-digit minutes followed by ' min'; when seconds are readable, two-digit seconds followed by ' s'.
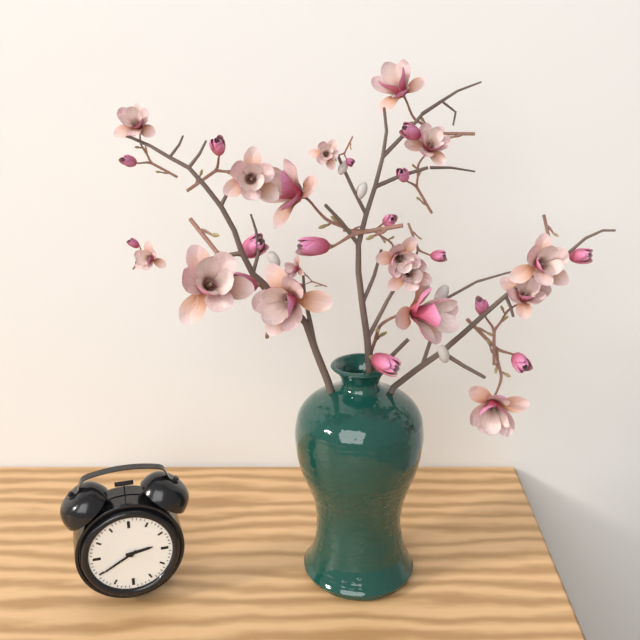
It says 2 h 40 min
